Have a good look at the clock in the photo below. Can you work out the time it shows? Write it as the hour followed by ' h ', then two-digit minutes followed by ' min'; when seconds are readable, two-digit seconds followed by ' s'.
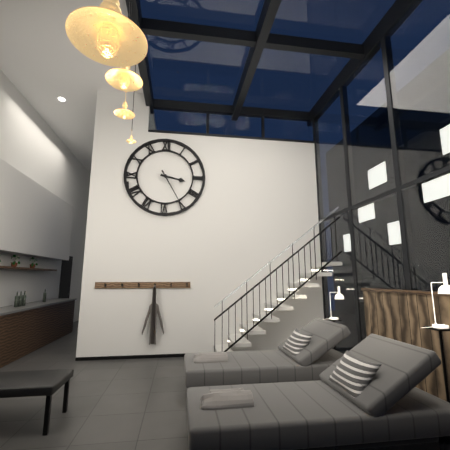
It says 3 h 25 min
